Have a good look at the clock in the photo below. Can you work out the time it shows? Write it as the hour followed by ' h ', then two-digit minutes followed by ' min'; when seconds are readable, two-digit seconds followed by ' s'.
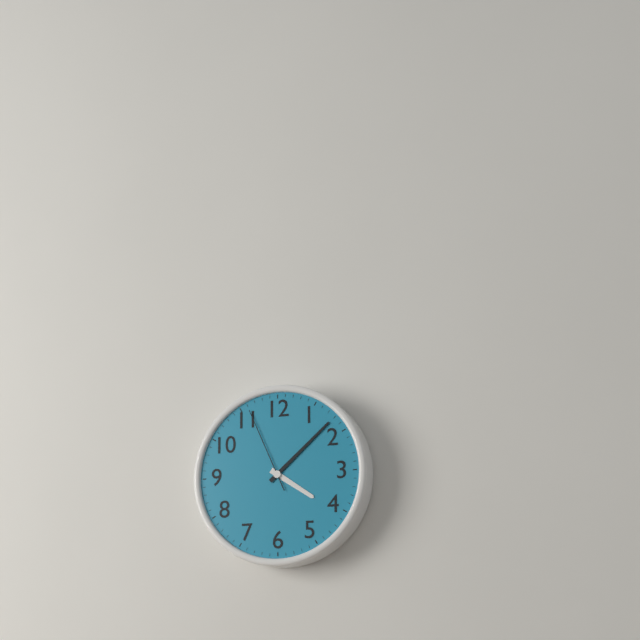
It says 4 h 08 min 56 s
